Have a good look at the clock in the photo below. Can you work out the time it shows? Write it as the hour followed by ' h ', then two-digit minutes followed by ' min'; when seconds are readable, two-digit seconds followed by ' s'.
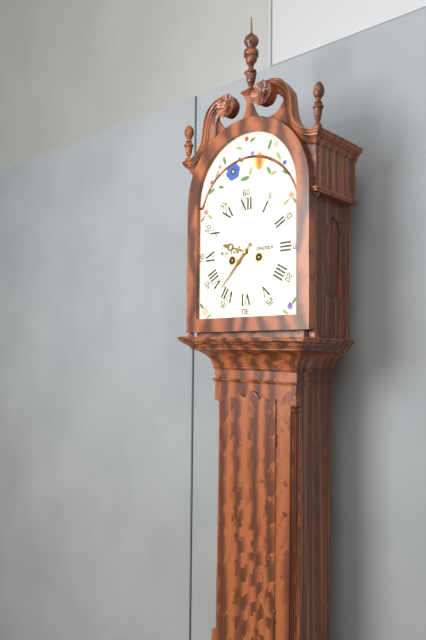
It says 9 h 37 min
